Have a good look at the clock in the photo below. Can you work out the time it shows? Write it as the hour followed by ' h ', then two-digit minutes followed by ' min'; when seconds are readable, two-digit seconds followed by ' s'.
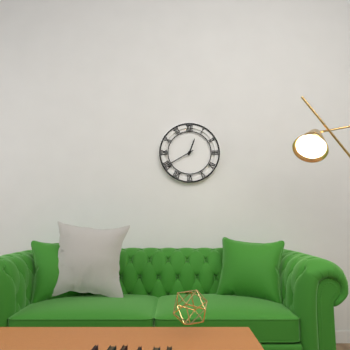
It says 12 h 40 min
